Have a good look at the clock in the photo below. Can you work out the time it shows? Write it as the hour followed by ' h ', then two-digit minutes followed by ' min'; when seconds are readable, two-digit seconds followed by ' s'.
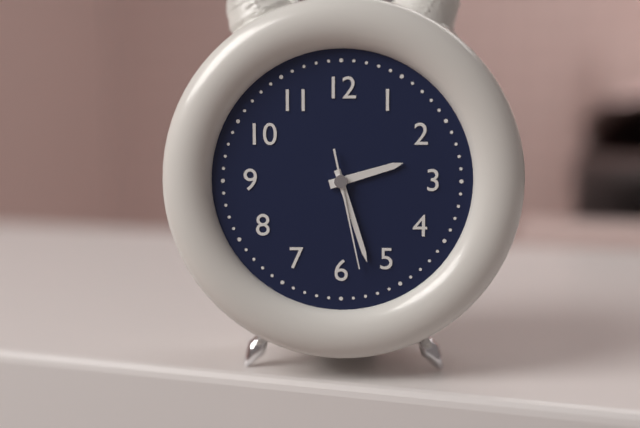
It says 2 h 27 min 28 s
